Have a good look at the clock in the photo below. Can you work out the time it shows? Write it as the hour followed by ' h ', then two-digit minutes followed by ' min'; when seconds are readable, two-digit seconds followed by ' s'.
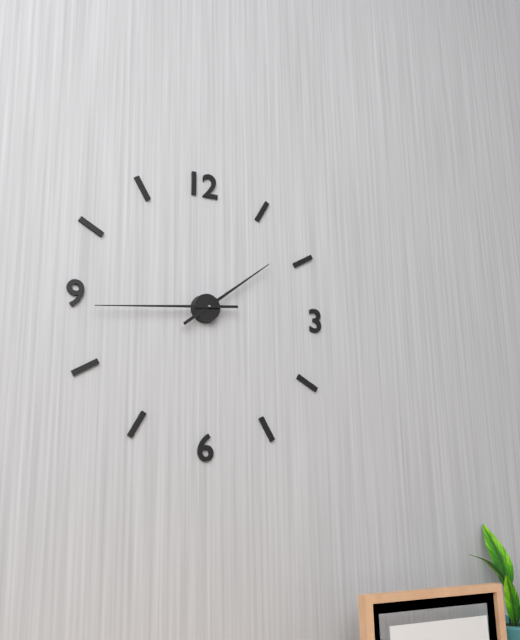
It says 1 h 44 min
